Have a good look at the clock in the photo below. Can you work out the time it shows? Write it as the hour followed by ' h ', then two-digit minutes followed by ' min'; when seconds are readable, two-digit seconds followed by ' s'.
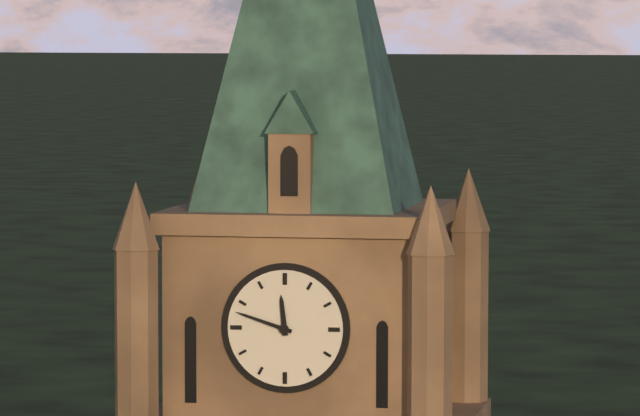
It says 11 h 48 min
